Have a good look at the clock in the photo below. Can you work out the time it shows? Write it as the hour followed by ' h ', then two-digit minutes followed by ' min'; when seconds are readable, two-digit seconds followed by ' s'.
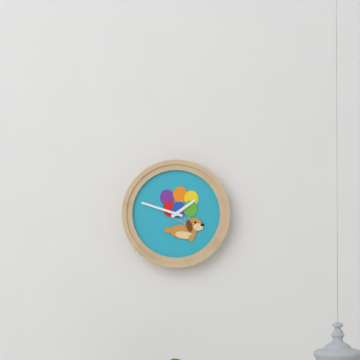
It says 1 h 48 min
